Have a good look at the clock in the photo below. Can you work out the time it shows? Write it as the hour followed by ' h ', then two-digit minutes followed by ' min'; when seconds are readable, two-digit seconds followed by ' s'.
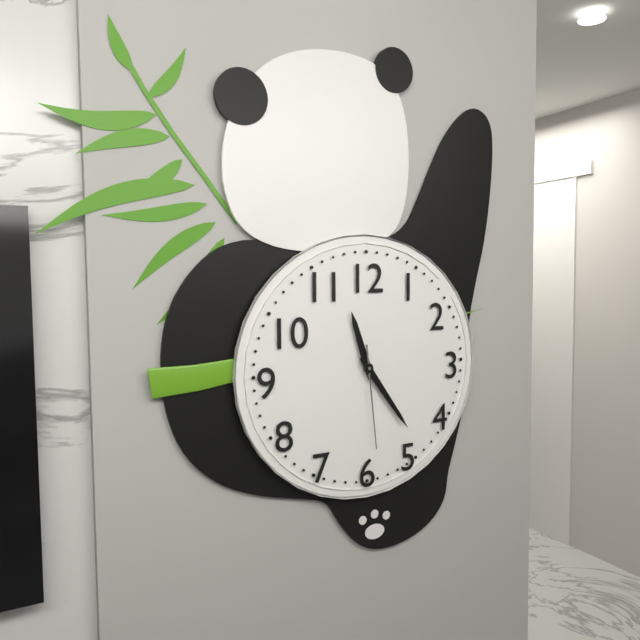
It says 11 h 24 min 29 s
